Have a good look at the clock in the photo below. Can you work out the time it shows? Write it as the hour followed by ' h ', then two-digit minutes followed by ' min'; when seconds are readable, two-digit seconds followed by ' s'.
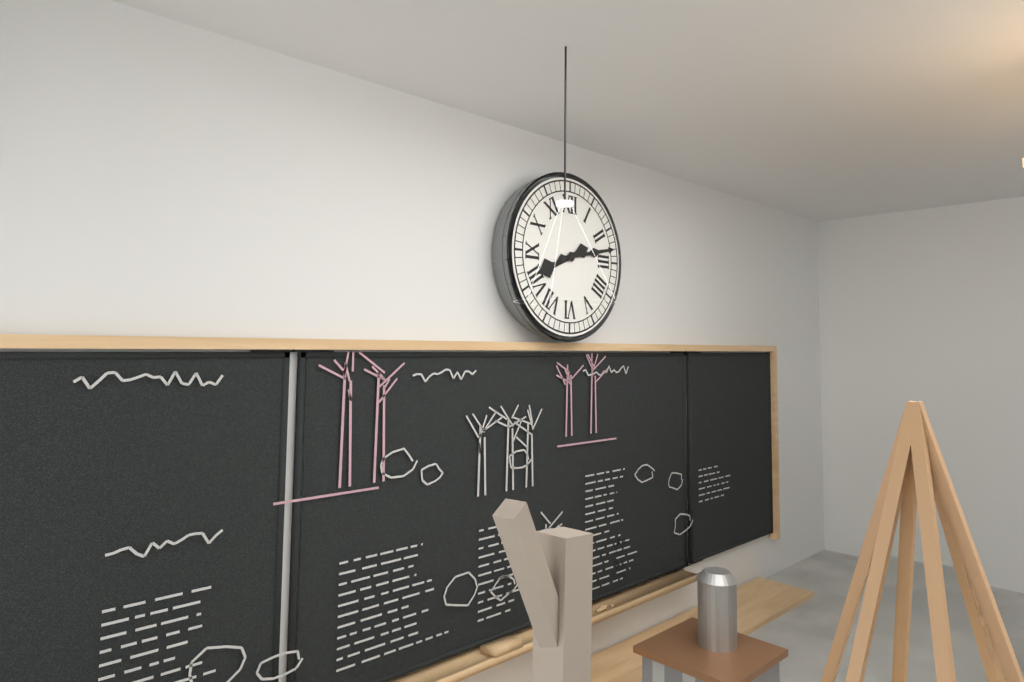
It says 8 h 13 min
